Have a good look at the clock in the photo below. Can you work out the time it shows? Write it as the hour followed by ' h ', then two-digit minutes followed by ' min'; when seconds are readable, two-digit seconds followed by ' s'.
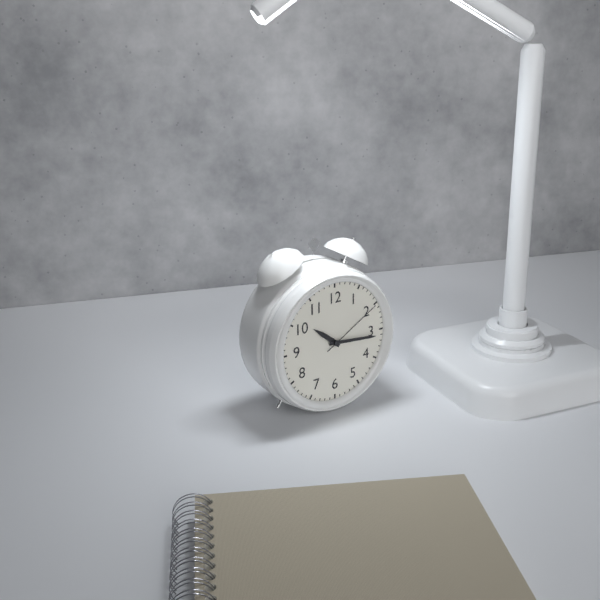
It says 10 h 16 min 10 s
